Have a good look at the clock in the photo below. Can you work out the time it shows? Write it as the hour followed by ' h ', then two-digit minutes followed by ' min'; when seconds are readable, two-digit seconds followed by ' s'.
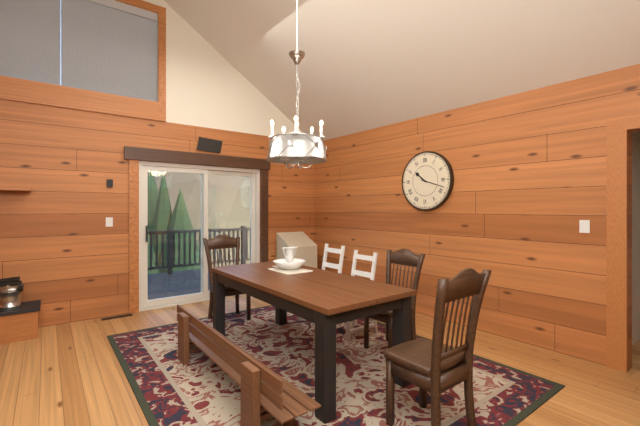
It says 10 h 18 min
